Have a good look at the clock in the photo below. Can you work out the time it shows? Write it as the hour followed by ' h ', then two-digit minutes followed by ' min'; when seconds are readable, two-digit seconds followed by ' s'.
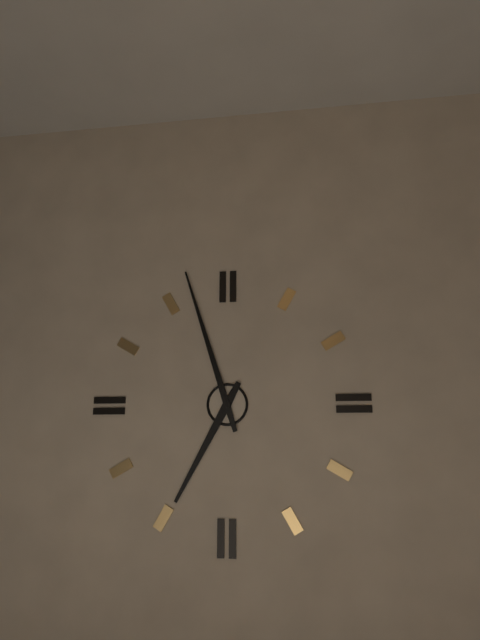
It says 6 h 57 min
